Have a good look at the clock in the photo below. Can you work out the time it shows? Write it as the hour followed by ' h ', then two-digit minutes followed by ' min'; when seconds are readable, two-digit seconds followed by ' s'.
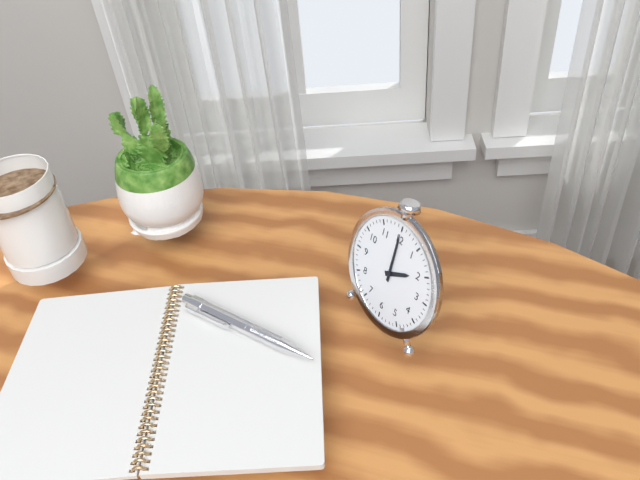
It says 2 h 00 min
